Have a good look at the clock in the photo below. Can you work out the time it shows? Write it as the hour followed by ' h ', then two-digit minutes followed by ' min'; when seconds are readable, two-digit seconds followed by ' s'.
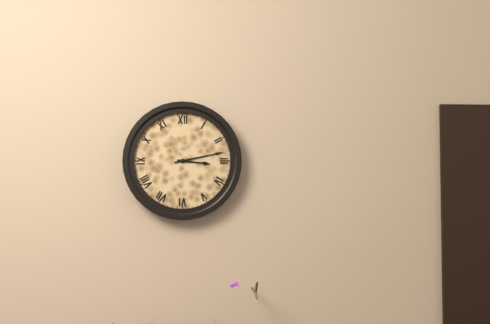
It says 3 h 13 min
